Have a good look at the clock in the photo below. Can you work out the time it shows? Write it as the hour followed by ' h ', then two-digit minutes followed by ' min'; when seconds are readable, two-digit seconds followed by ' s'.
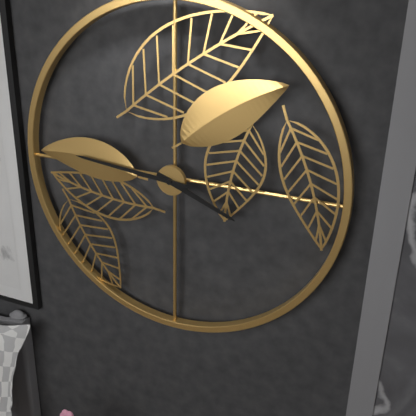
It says 3 h 46 min
